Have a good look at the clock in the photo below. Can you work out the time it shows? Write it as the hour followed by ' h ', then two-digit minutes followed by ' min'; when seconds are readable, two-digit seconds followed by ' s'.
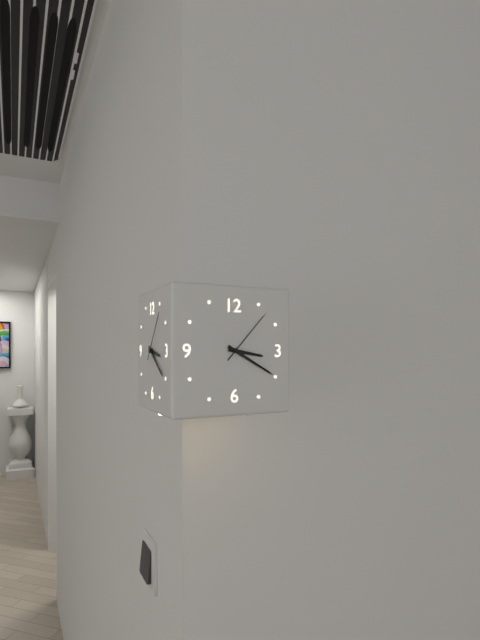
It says 3 h 20 min 07 s
